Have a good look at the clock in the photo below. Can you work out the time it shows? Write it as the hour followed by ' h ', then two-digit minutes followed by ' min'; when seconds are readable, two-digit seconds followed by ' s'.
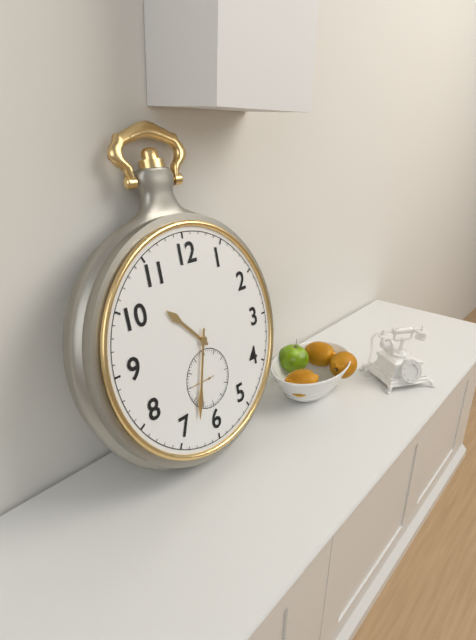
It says 10 h 33 min
